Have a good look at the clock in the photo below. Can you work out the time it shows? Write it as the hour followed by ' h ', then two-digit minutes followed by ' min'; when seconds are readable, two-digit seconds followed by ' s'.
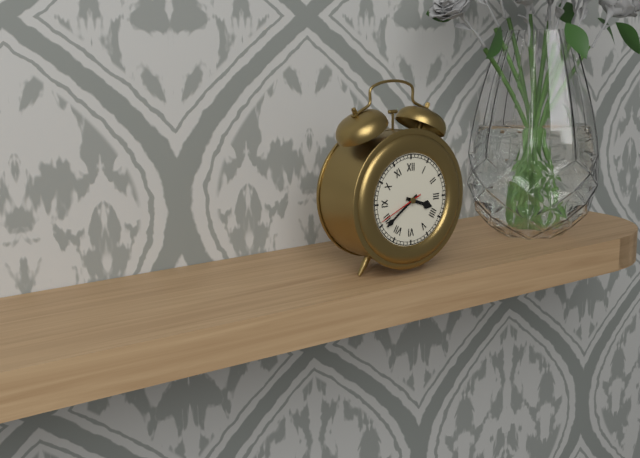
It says 3 h 39 min
